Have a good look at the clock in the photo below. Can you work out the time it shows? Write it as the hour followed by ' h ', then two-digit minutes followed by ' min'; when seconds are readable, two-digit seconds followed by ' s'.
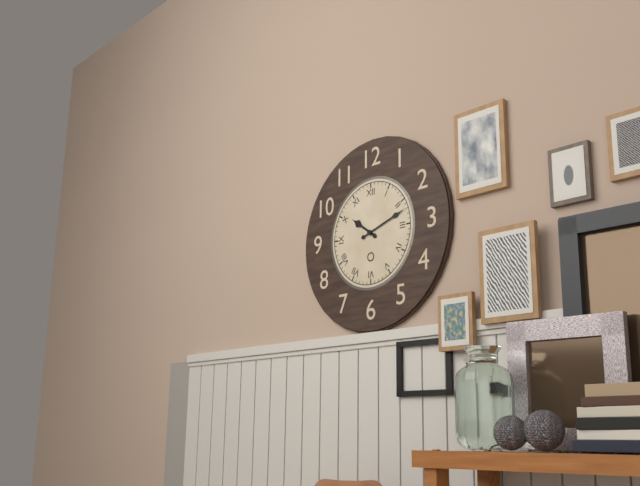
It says 10 h 12 min
